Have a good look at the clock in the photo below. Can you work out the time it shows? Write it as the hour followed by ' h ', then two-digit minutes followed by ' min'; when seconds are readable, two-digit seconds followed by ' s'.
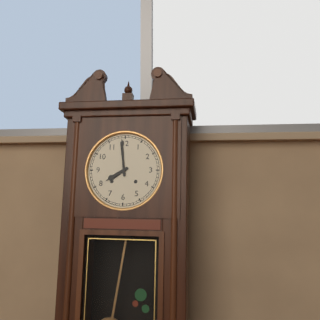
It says 7 h 59 min
